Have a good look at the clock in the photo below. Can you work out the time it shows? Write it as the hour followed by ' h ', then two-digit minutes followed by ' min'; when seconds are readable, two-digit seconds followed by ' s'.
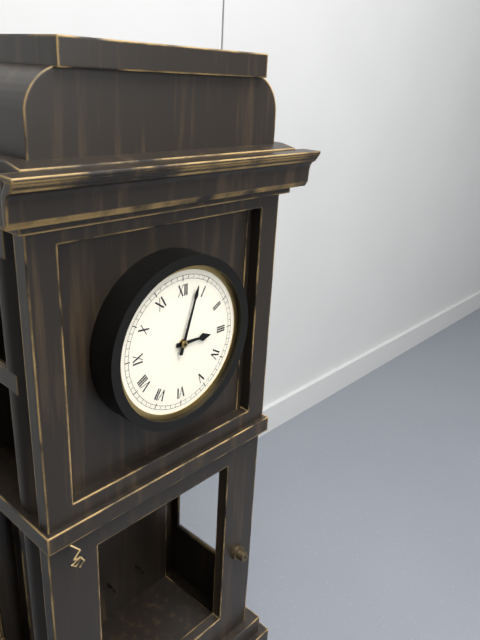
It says 3 h 03 min
